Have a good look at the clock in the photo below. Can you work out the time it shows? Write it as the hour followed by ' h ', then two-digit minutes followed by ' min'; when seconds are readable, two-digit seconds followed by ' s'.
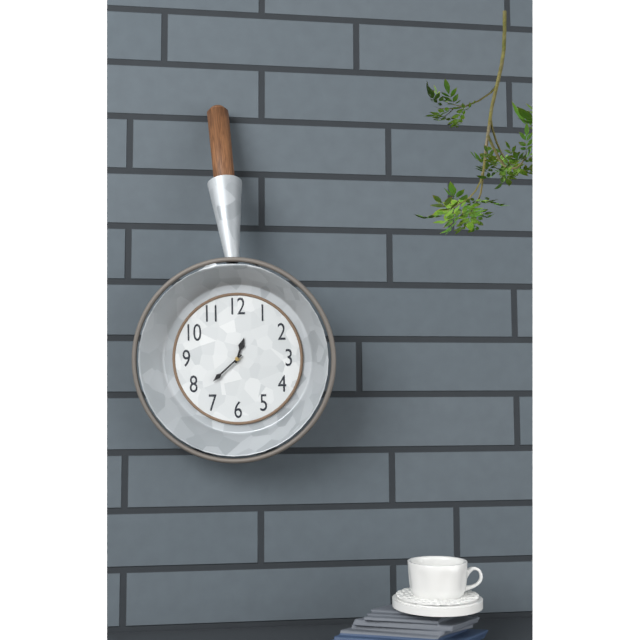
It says 12 h 38 min
